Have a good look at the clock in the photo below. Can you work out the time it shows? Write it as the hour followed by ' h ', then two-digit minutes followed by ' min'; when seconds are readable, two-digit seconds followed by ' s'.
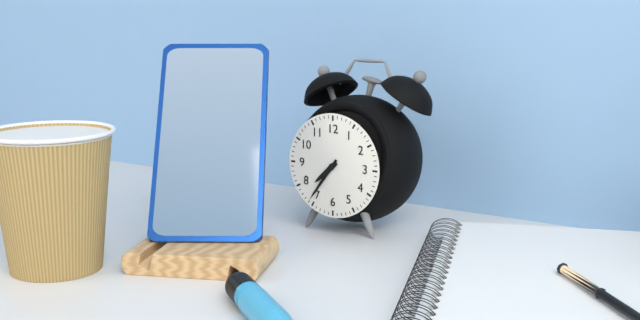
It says 7 h 36 min
